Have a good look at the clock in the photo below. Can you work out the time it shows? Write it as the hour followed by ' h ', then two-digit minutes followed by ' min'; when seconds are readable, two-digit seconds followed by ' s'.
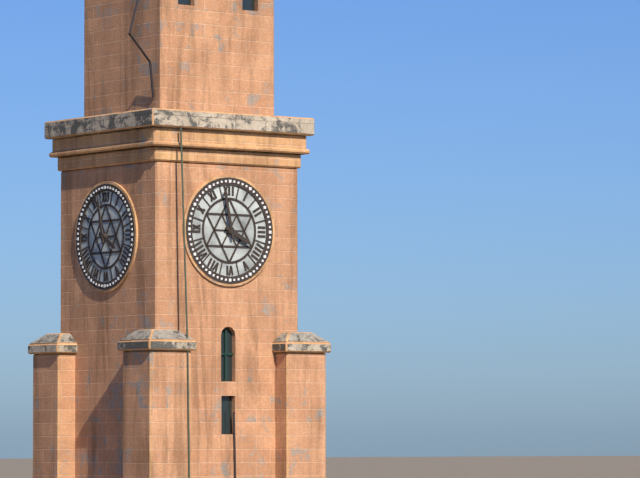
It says 3 h 58 min
